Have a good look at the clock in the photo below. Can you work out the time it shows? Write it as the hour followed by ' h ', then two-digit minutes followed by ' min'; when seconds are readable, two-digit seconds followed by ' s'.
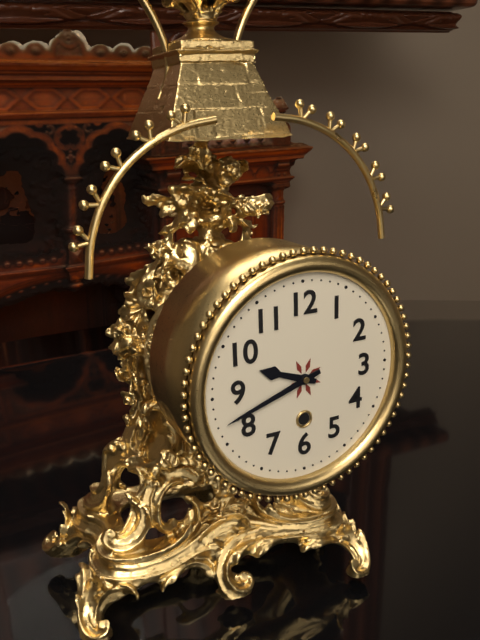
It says 9 h 42 min
